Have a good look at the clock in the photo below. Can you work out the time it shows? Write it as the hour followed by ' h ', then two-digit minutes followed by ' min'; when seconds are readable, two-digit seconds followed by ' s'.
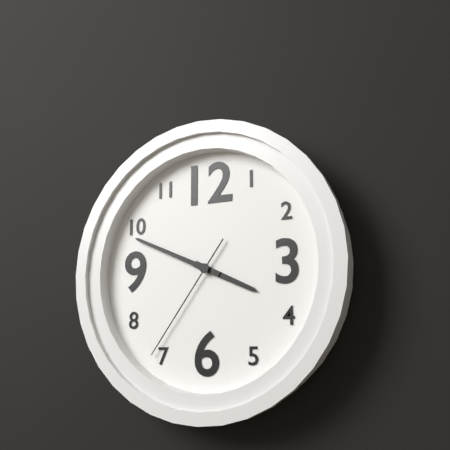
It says 3 h 49 min 36 s
